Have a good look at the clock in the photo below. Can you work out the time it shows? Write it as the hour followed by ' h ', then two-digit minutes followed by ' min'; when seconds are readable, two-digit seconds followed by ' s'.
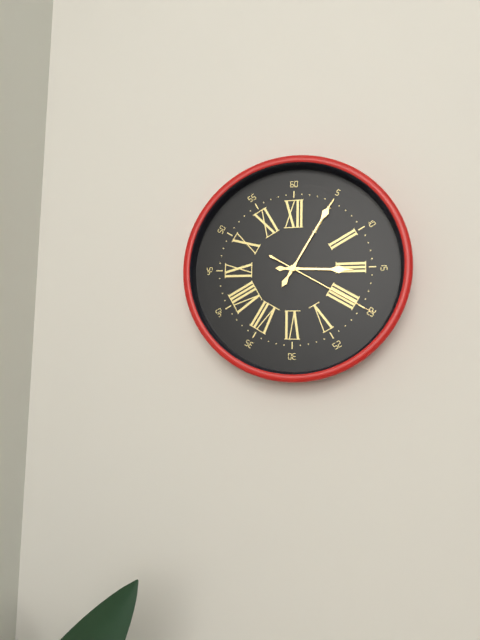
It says 3 h 05 min 20 s
